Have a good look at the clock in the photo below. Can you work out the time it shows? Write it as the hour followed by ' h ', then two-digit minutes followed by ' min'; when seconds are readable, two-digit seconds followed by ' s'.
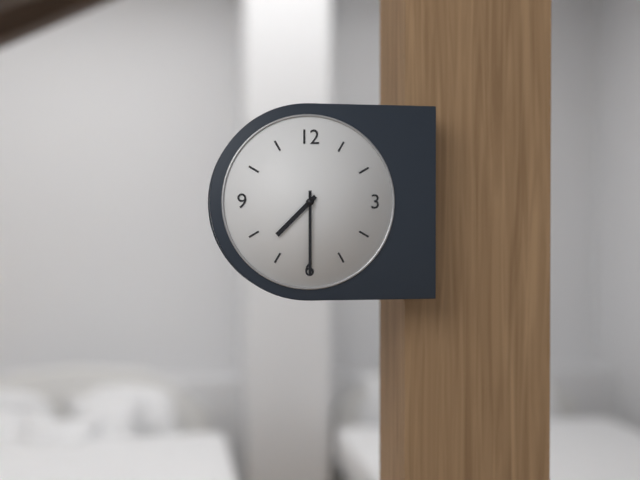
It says 7 h 30 min
